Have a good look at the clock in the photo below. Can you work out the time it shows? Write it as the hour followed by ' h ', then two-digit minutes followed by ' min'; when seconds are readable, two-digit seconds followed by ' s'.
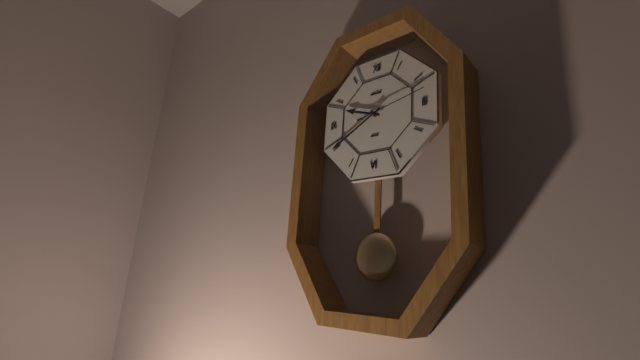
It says 9 h 40 min 13 s
